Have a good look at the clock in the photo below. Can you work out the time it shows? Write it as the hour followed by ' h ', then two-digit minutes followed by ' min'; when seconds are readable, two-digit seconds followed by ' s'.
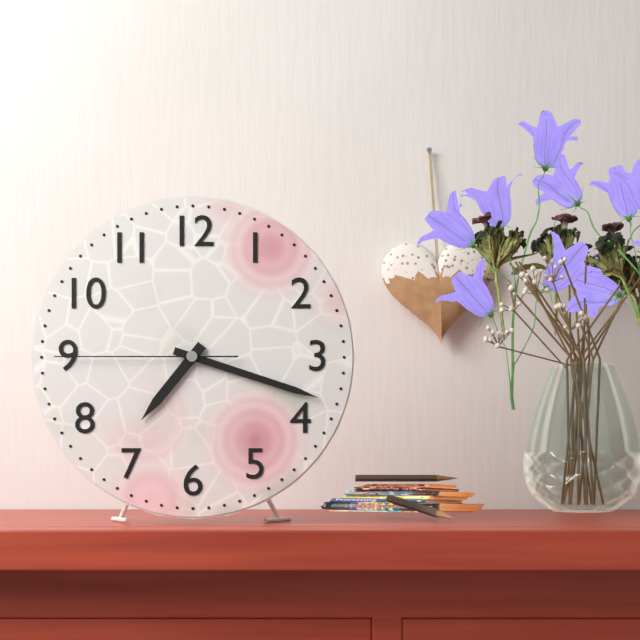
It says 7 h 18 min 45 s
